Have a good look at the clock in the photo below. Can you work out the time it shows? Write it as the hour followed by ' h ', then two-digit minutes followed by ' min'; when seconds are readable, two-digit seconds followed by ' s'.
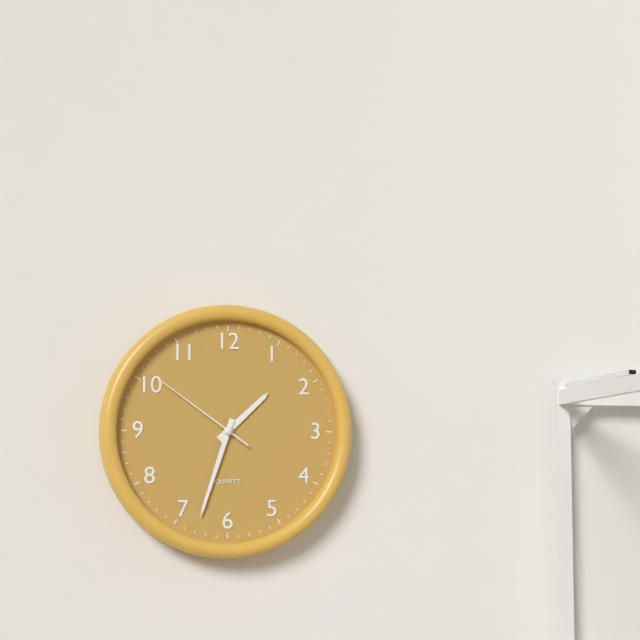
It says 1 h 33 min 51 s
